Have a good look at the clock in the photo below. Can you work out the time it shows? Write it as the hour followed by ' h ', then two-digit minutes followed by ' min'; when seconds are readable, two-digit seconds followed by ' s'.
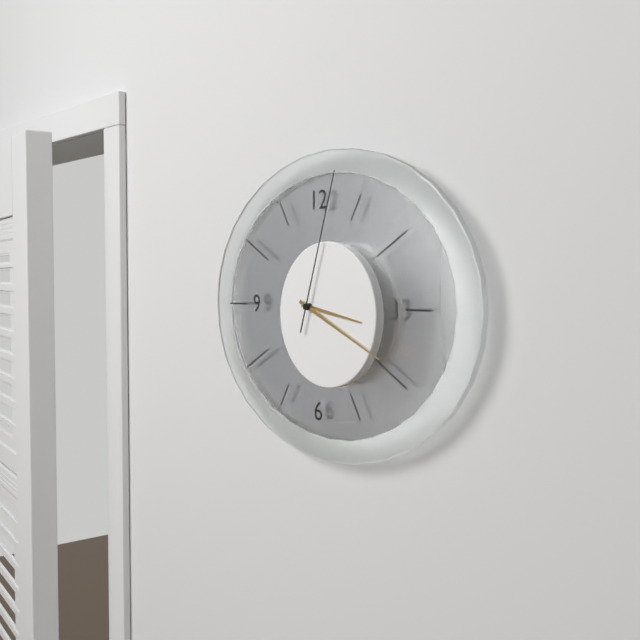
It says 3 h 19 min 03 s
